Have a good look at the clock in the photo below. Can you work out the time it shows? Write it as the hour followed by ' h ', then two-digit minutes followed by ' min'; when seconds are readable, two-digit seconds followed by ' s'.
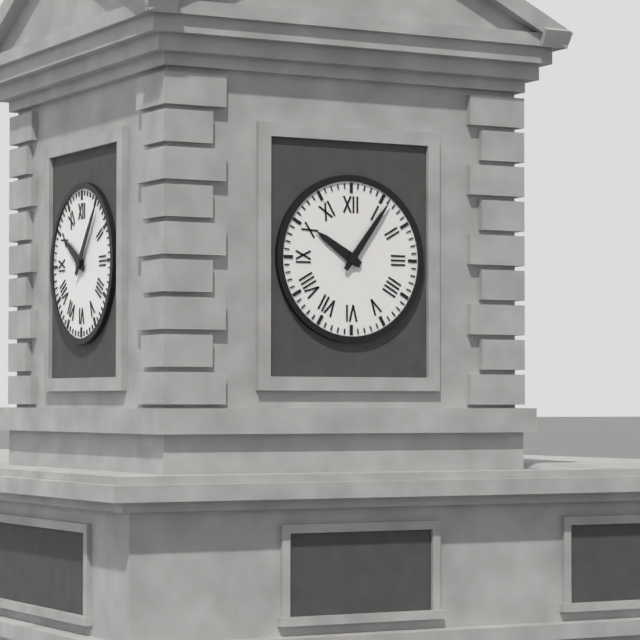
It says 10 h 06 min
